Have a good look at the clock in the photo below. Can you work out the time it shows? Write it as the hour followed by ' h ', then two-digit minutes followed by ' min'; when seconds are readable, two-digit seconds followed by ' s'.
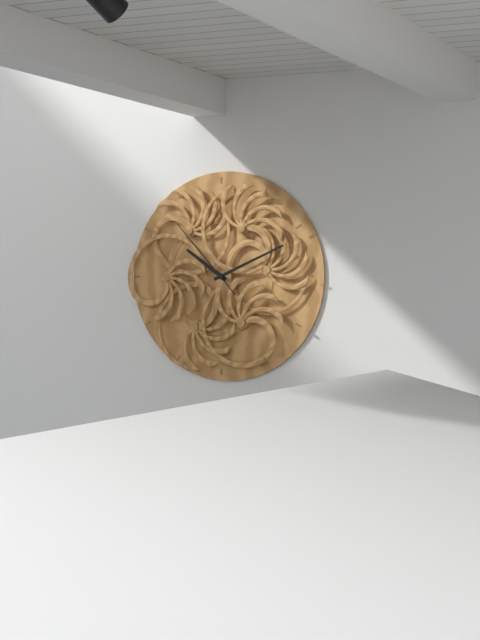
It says 10 h 11 min 53 s
